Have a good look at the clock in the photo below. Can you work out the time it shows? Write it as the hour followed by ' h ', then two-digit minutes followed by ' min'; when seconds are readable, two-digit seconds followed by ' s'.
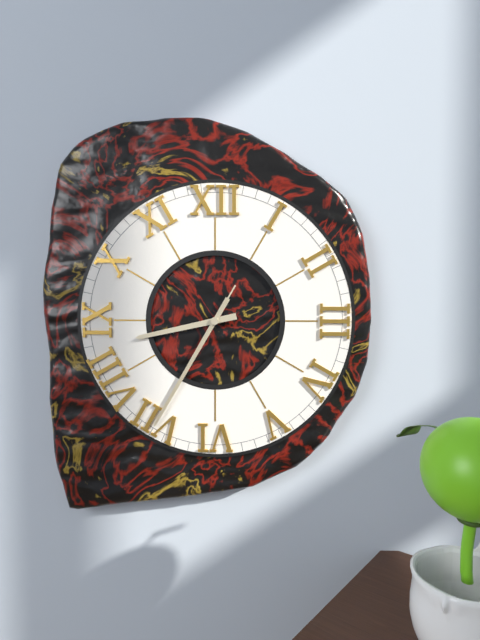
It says 8 h 35 min 35 s
